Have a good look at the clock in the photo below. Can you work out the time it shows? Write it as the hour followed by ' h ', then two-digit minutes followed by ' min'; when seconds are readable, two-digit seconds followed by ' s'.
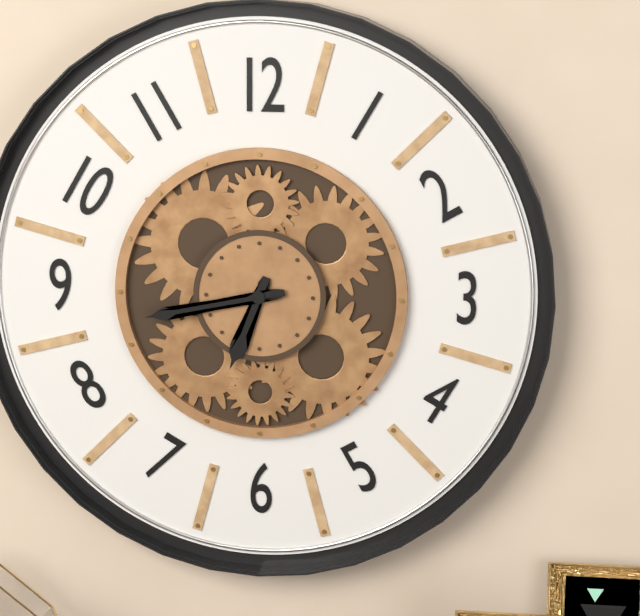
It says 6 h 43 min
